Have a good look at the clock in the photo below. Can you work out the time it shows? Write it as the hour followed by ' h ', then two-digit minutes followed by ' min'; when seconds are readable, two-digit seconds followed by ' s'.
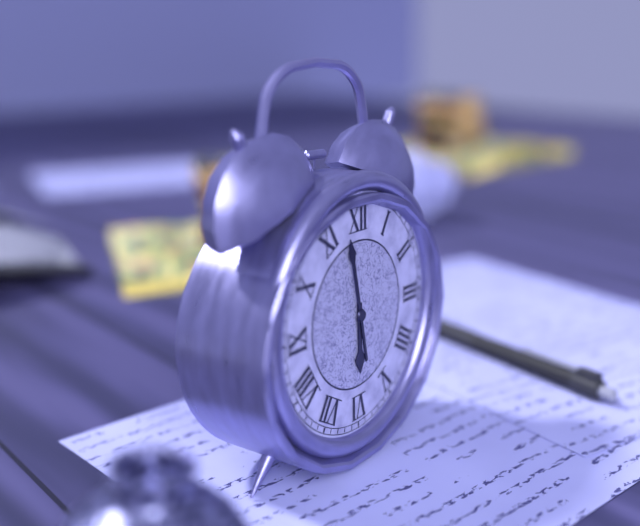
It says 5 h 58 min
